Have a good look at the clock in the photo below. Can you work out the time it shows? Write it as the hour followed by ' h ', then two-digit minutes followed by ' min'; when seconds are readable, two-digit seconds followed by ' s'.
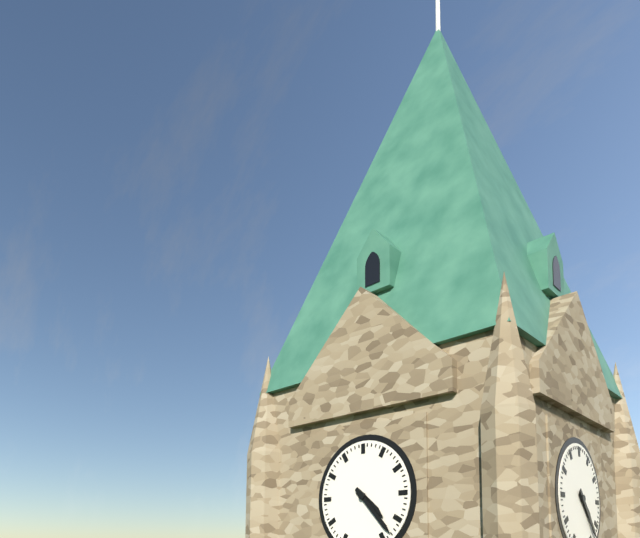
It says 4 h 23 min
